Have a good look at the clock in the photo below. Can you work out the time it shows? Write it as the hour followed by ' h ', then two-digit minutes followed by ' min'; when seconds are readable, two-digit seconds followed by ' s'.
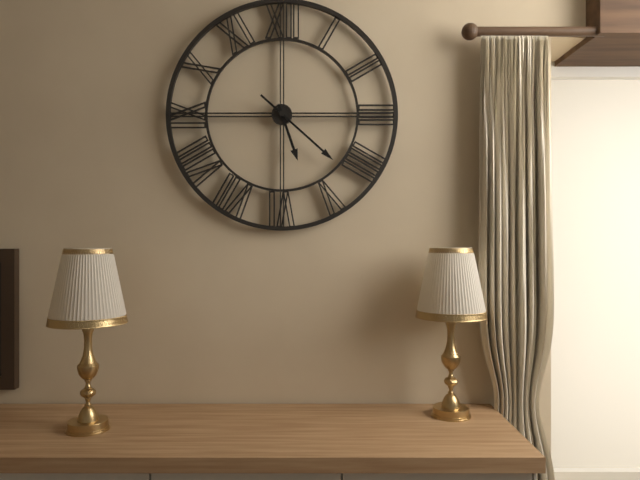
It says 5 h 22 min
